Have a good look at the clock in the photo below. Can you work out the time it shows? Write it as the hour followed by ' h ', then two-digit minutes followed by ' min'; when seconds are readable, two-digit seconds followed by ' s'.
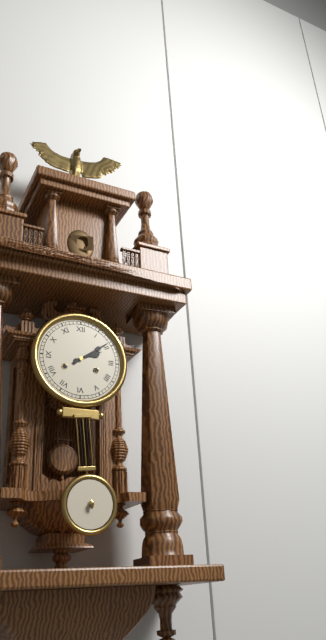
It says 2 h 09 min
